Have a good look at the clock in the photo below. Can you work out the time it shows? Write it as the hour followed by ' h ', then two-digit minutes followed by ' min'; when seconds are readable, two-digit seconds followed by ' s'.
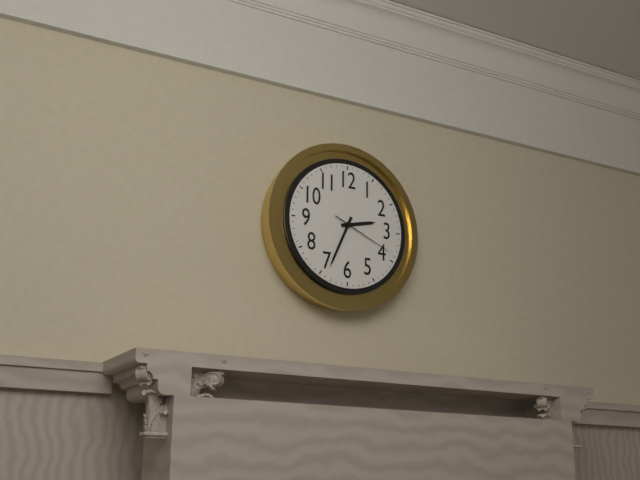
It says 2 h 34 min 19 s
